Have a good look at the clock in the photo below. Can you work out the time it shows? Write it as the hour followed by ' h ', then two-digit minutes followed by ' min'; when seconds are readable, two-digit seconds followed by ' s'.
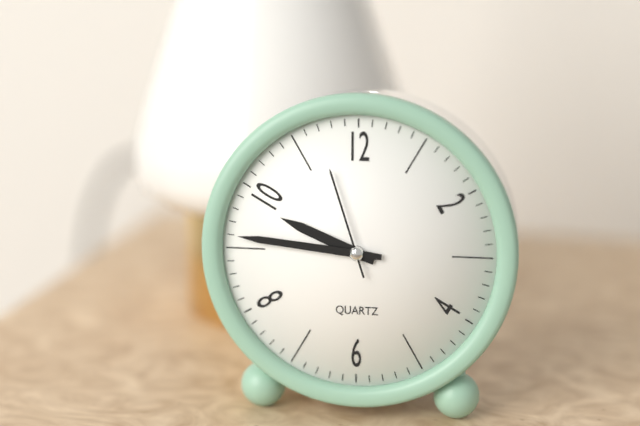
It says 9 h 46 min 57 s
